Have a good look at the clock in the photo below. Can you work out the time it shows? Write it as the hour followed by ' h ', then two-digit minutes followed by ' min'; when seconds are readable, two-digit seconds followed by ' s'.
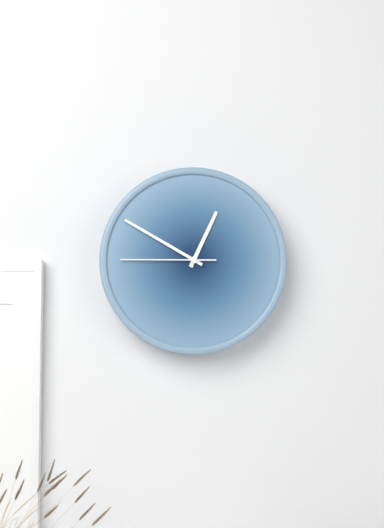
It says 12 h 50 min 45 s
